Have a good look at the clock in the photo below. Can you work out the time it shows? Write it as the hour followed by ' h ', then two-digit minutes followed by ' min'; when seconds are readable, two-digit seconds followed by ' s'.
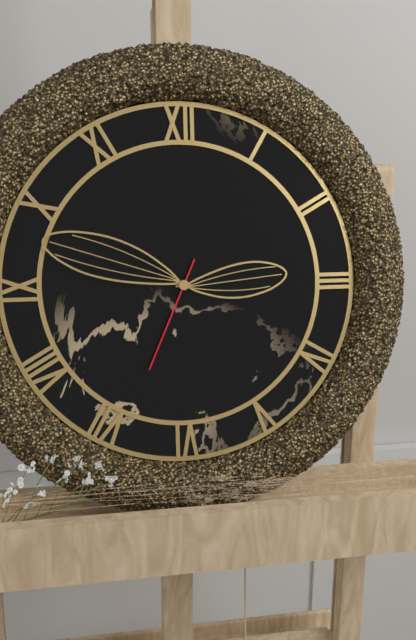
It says 2 h 48 min 34 s
